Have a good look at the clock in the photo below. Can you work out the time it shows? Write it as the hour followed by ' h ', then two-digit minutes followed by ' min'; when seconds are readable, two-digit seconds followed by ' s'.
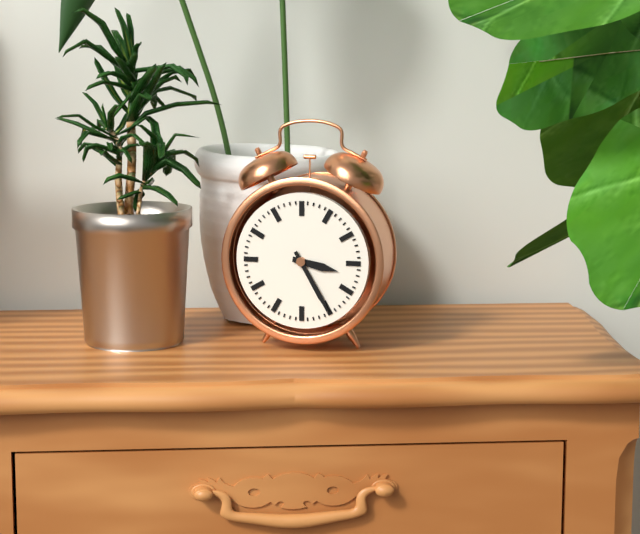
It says 3 h 25 min
